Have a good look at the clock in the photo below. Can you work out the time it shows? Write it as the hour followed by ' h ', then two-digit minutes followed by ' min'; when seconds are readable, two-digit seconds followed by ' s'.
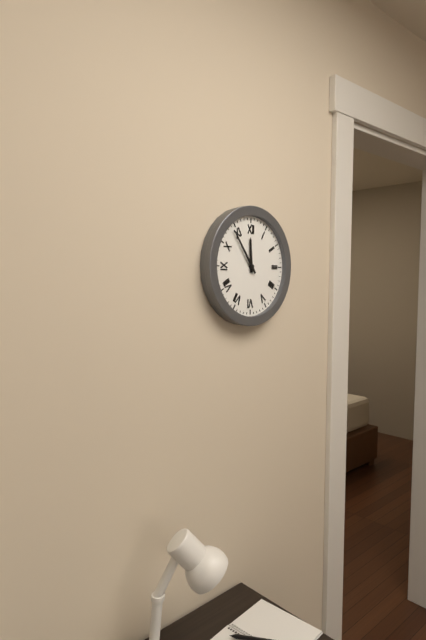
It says 11 h 54 min
